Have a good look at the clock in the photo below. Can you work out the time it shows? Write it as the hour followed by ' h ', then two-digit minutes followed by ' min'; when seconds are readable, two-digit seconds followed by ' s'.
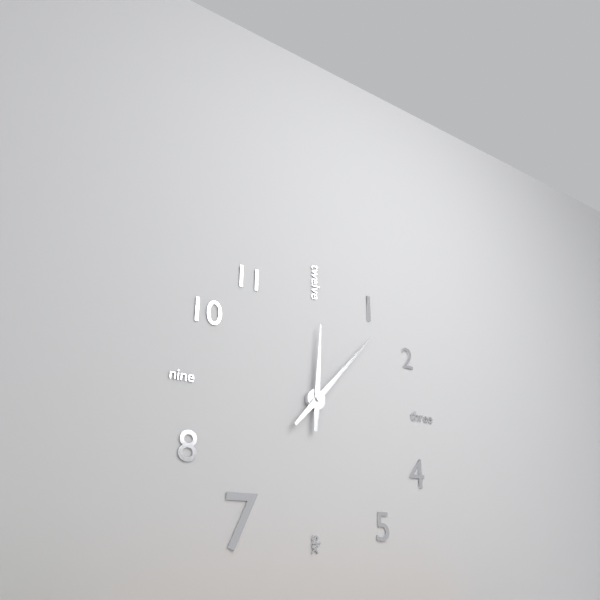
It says 12 h 07 min
